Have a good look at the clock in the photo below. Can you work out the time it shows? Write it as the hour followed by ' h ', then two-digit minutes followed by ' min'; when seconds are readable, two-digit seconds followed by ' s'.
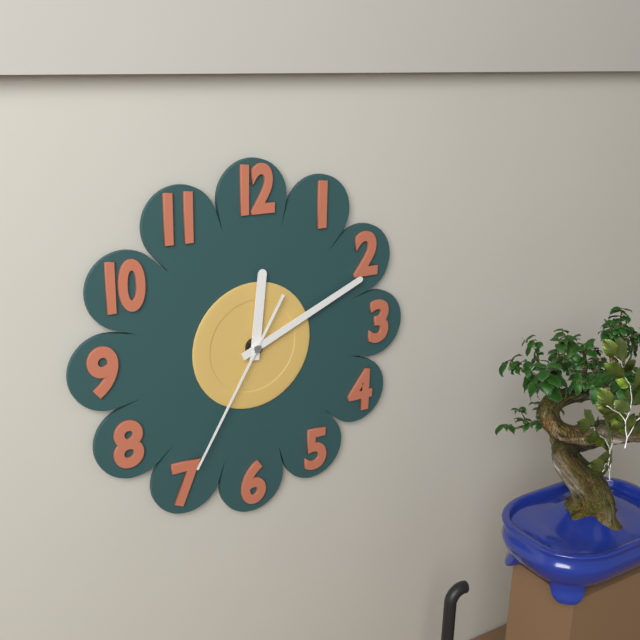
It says 12 h 11 min 35 s
